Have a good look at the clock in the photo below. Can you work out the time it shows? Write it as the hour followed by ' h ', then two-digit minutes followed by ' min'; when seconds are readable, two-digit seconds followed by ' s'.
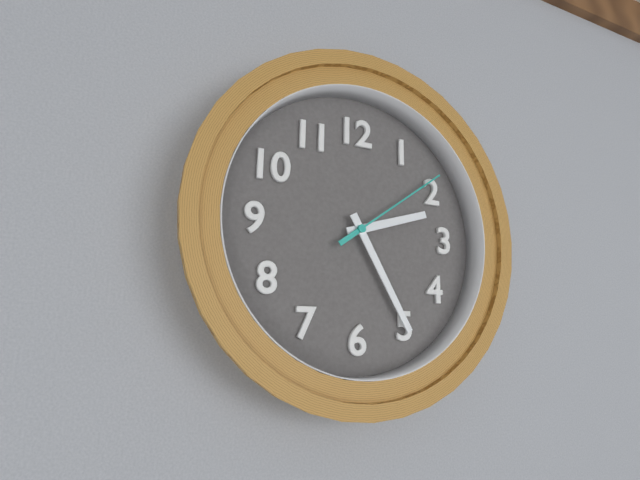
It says 2 h 25 min 09 s
